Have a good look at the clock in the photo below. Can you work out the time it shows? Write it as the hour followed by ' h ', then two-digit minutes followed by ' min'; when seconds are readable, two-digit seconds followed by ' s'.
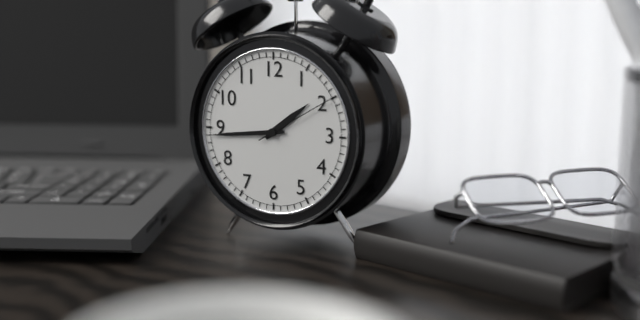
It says 1 h 44 min 10 s
